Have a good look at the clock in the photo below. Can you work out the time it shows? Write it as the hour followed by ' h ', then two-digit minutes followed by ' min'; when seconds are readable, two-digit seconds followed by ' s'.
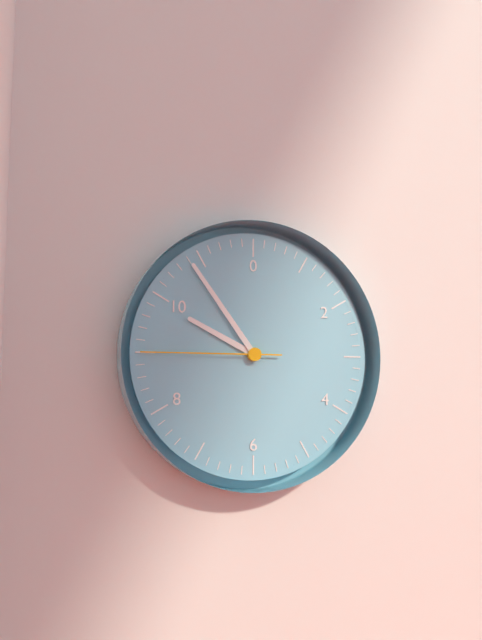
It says 9 h 54 min 45 s
